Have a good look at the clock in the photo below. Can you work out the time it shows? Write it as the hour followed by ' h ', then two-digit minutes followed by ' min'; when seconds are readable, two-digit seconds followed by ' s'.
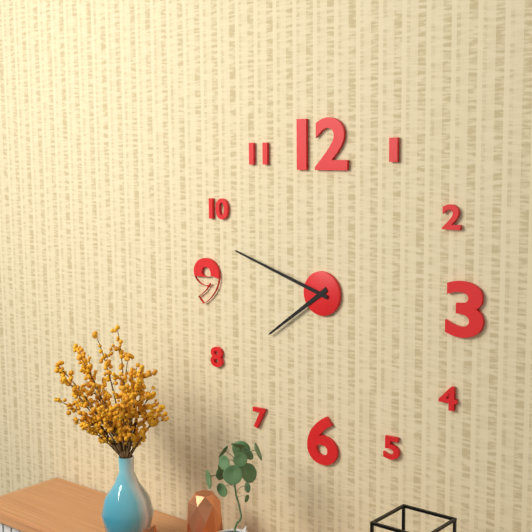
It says 7 h 48 min
